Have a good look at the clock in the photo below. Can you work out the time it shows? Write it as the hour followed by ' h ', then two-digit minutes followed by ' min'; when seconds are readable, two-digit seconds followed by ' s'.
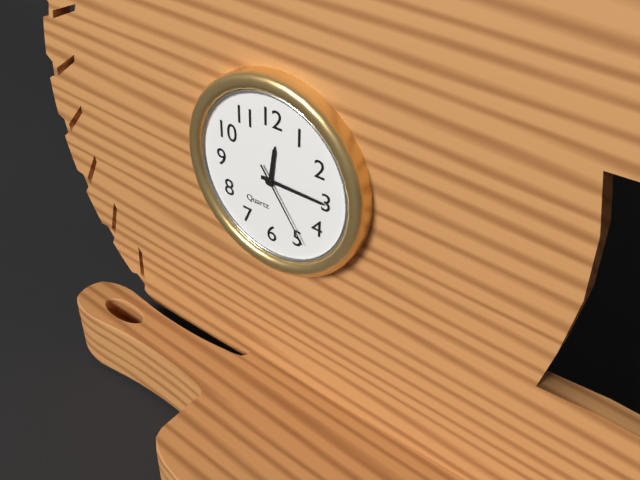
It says 12 h 15 min 24 s
